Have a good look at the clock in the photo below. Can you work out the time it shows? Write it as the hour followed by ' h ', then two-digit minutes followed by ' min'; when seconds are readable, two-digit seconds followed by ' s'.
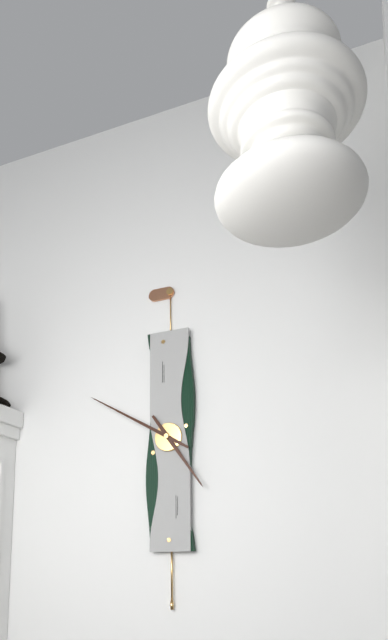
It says 4 h 50 min
